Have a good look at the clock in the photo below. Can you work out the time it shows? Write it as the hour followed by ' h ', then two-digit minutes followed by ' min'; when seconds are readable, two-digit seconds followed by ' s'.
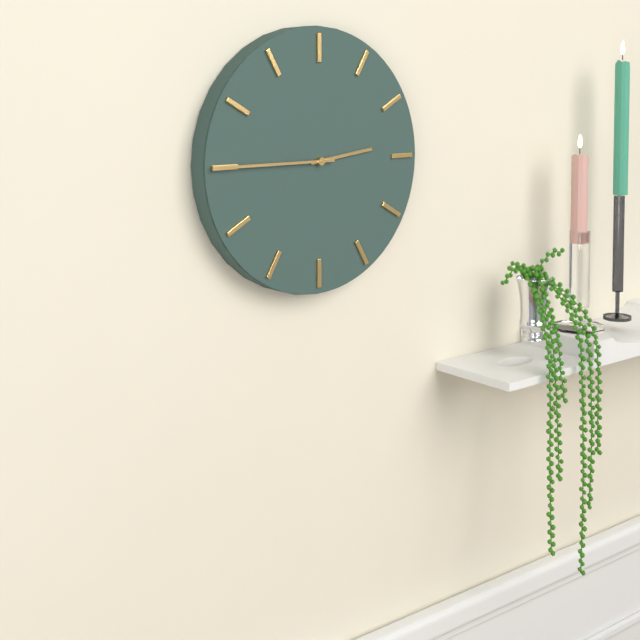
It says 2 h 45 min
